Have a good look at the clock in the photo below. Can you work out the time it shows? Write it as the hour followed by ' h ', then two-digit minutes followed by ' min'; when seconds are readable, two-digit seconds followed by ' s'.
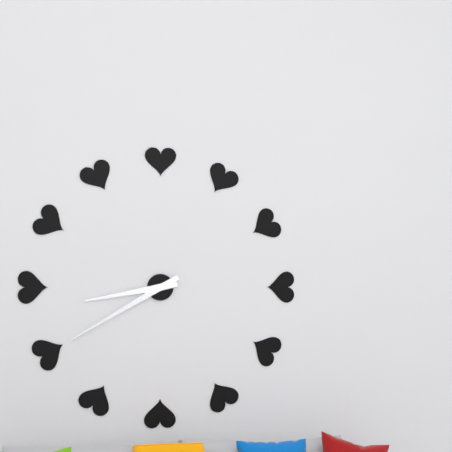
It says 8 h 40 min
